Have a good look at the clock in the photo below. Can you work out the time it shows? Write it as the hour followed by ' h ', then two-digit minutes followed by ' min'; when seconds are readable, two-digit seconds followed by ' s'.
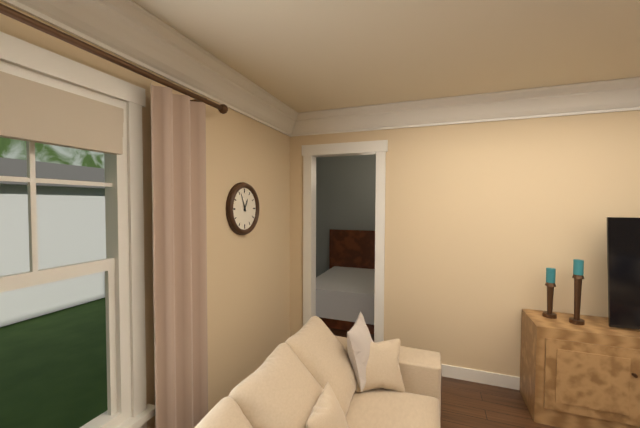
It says 12 h 56 min
